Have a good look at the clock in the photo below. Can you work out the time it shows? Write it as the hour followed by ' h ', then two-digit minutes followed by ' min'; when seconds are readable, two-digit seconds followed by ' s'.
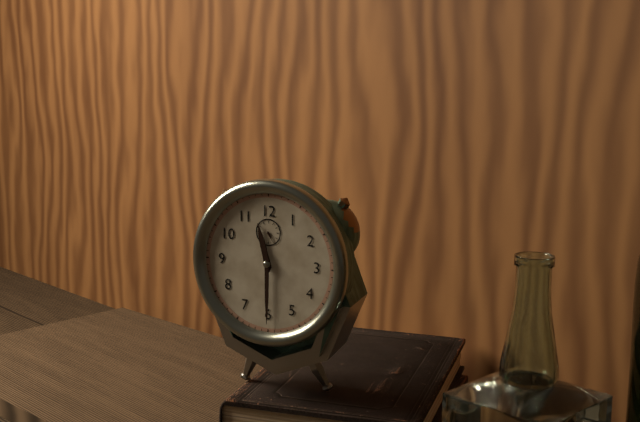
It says 11 h 30 min
